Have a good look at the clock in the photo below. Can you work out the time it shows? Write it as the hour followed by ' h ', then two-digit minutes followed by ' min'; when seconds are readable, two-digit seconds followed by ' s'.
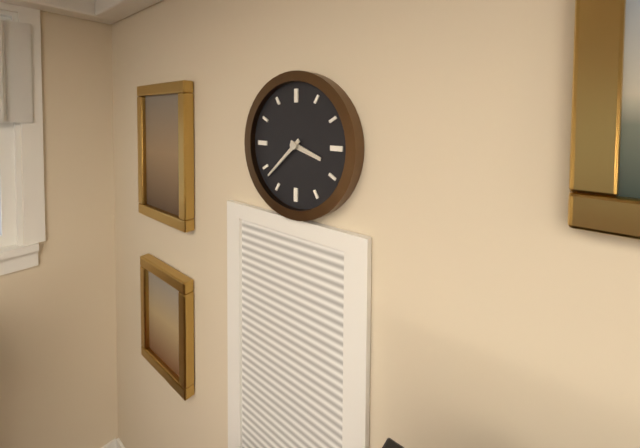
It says 3 h 38 min
